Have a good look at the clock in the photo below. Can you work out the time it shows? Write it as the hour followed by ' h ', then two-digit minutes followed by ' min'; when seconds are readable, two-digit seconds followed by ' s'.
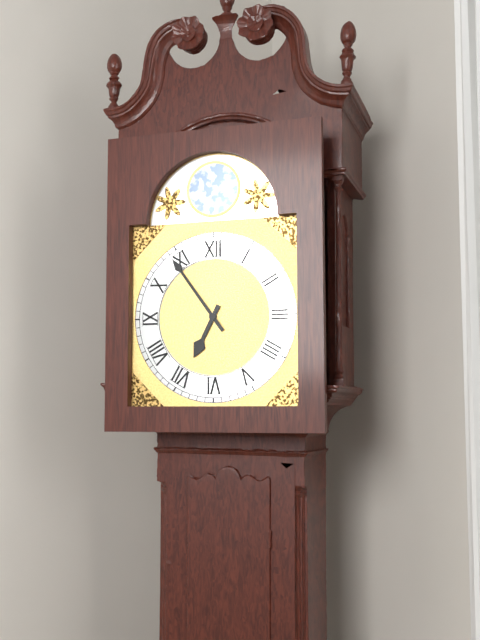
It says 6 h 54 min
